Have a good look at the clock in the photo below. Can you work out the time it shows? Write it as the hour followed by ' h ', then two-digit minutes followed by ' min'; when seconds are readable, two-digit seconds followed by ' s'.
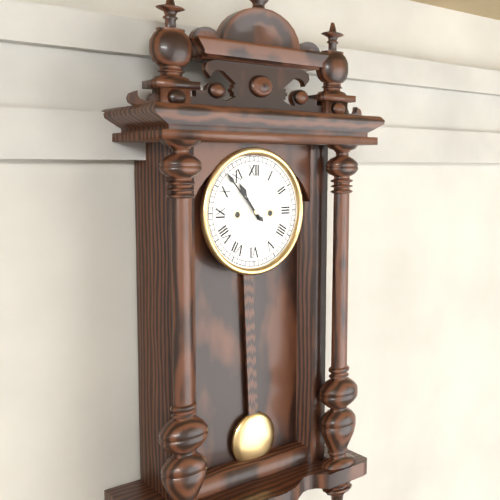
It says 10 h 53 min
